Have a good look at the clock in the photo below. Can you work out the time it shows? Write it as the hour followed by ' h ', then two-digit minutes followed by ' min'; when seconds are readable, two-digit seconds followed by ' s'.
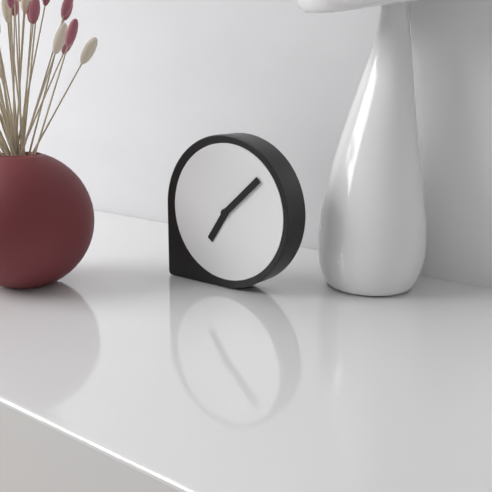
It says 7 h 08 min
